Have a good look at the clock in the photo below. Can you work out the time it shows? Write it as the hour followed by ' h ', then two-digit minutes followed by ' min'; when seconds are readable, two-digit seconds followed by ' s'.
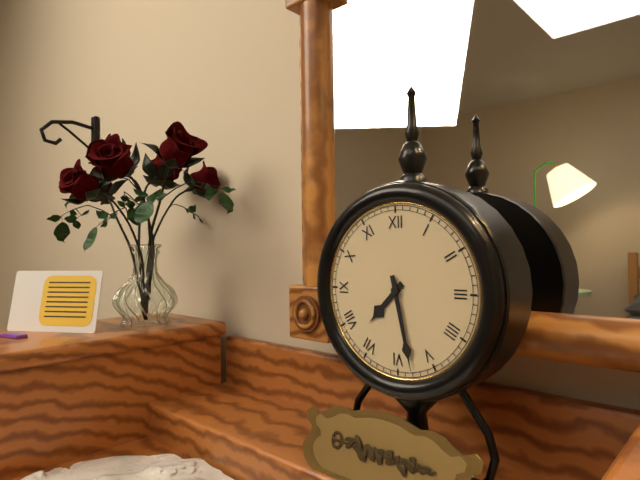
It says 7 h 28 min
